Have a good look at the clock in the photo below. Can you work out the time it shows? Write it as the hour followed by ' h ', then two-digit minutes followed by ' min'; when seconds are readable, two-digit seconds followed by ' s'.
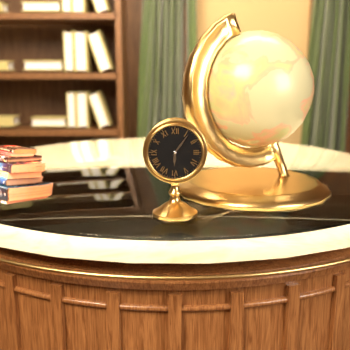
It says 6 h 06 min
